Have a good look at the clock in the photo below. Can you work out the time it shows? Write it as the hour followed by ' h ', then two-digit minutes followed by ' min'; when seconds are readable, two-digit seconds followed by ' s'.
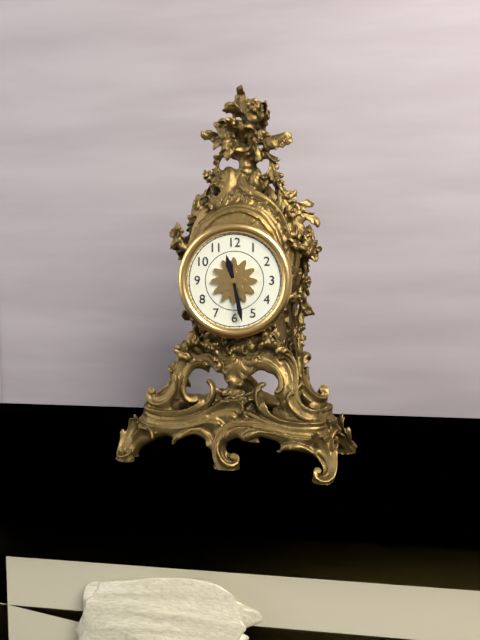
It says 11 h 28 min
